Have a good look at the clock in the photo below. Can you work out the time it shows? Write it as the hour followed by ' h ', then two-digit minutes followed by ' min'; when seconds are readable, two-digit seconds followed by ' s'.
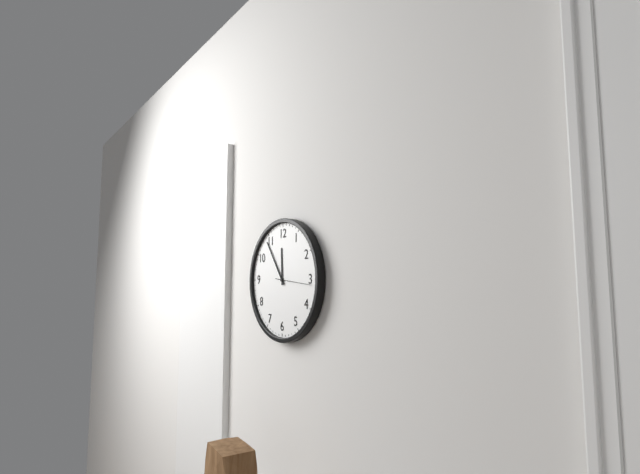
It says 11 h 54 min
